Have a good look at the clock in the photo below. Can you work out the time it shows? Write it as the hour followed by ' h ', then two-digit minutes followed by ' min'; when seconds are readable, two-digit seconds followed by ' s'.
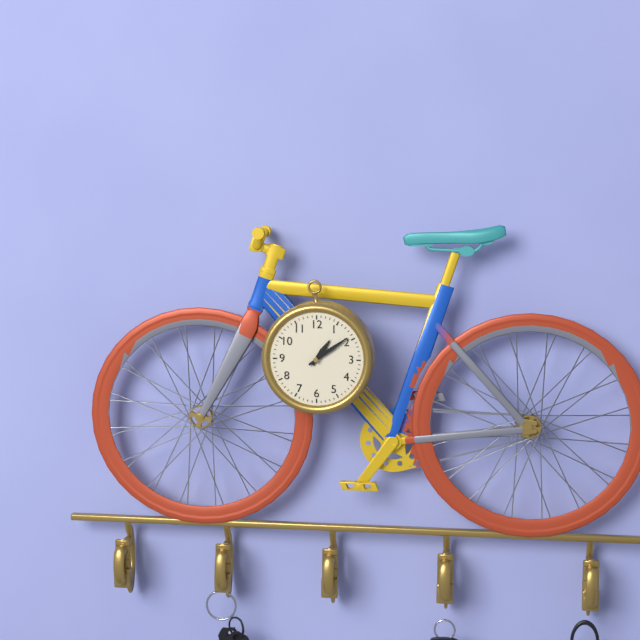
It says 1 h 09 min
